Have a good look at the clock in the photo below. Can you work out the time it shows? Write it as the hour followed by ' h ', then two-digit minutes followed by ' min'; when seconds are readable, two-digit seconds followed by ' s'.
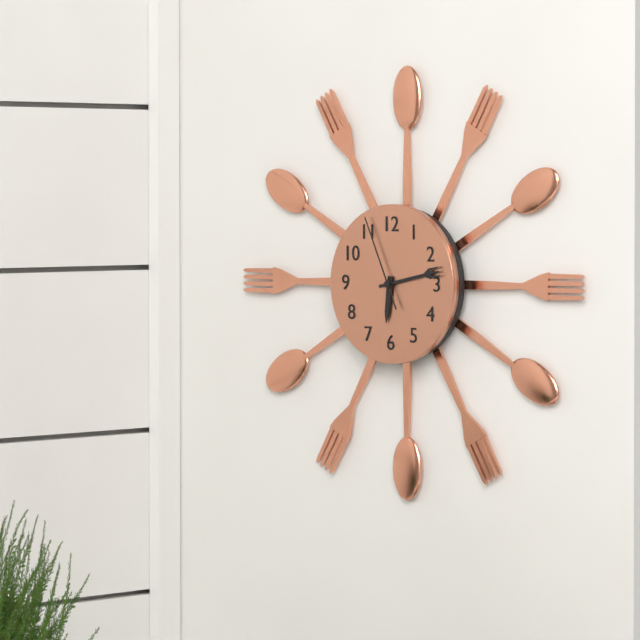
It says 6 h 13 min 56 s
